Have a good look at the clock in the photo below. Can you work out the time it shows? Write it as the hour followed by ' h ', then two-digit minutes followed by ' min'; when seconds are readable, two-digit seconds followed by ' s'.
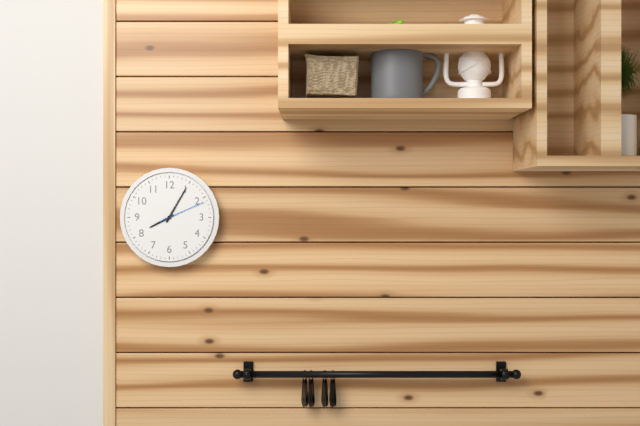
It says 8 h 05 min 11 s
